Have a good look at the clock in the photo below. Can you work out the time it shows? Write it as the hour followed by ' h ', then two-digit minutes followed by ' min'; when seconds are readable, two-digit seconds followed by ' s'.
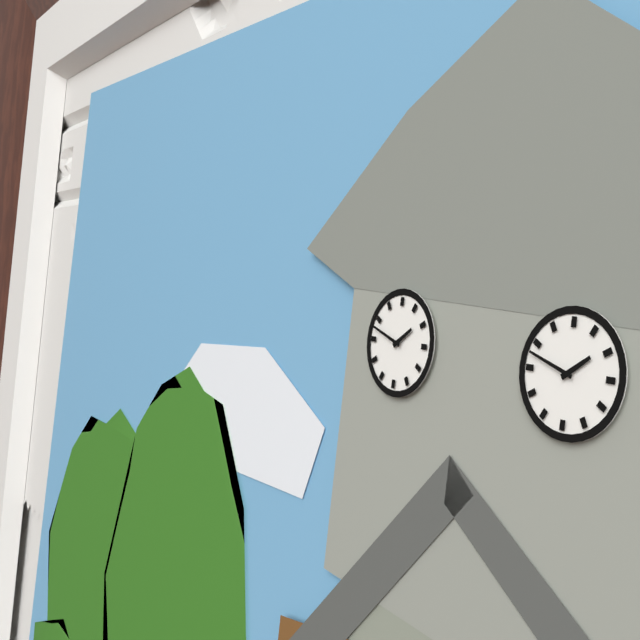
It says 1 h 48 min
